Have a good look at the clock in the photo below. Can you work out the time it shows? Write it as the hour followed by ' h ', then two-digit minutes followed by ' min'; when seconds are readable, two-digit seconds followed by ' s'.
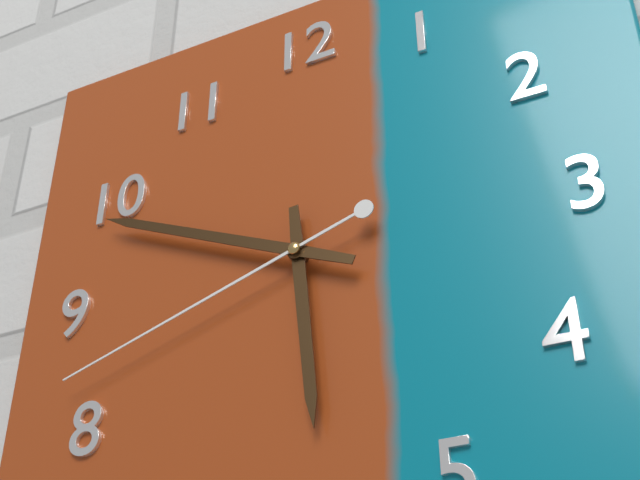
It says 5 h 49 min 42 s
